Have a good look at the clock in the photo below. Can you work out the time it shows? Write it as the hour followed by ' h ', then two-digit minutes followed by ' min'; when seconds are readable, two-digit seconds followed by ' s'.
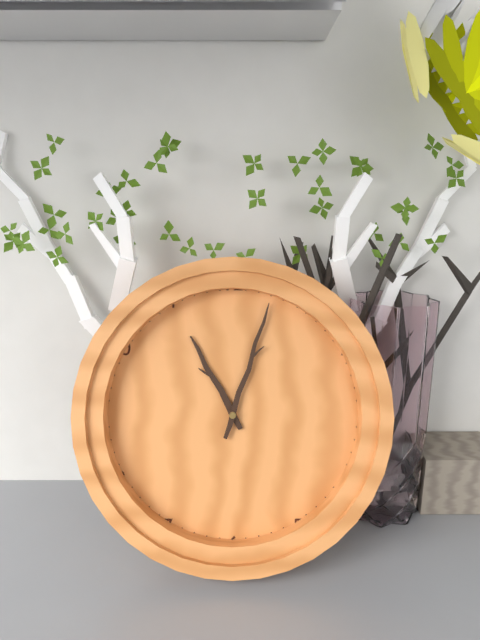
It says 11 h 03 min
